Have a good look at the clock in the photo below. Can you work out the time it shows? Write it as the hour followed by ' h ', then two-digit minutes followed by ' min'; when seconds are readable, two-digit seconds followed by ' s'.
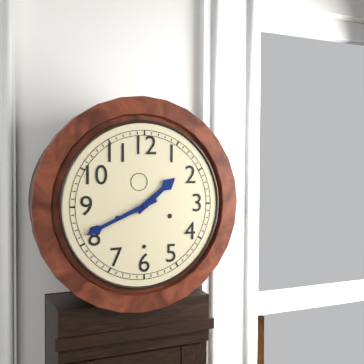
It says 1 h 41 min
